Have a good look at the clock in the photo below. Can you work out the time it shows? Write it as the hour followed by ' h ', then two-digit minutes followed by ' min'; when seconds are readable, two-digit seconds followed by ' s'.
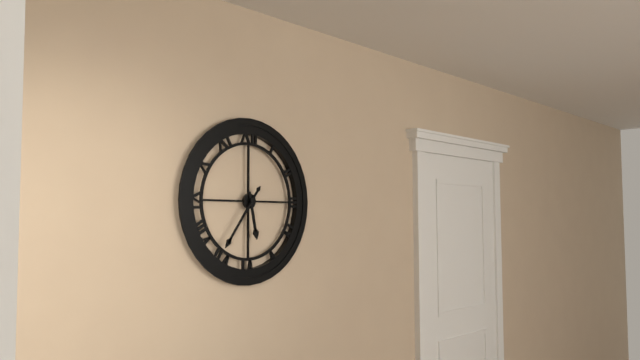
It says 5 h 36 min
